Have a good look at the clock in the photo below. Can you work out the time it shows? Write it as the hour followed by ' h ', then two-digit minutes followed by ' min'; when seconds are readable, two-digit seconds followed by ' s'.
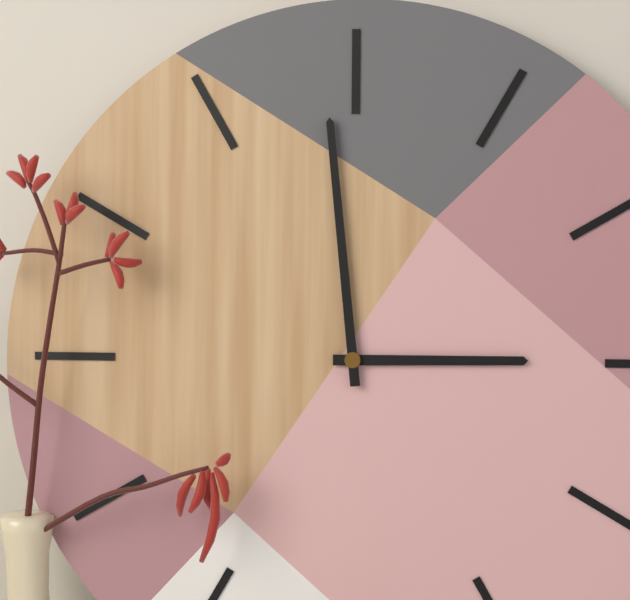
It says 2 h 59 min
